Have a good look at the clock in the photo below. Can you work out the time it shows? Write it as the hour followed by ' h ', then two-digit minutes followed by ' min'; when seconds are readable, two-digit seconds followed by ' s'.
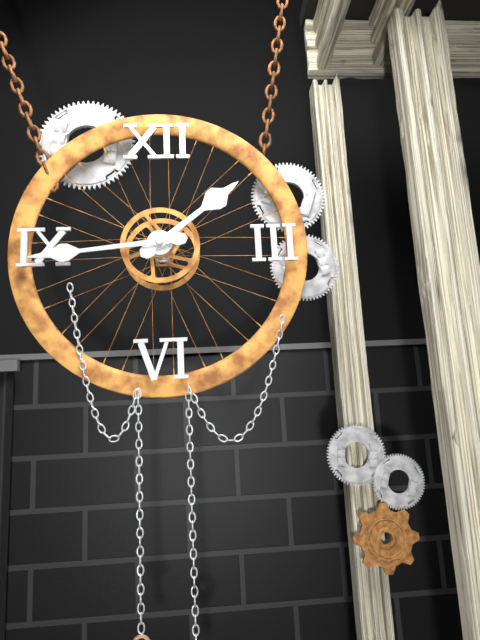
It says 1 h 44 min
